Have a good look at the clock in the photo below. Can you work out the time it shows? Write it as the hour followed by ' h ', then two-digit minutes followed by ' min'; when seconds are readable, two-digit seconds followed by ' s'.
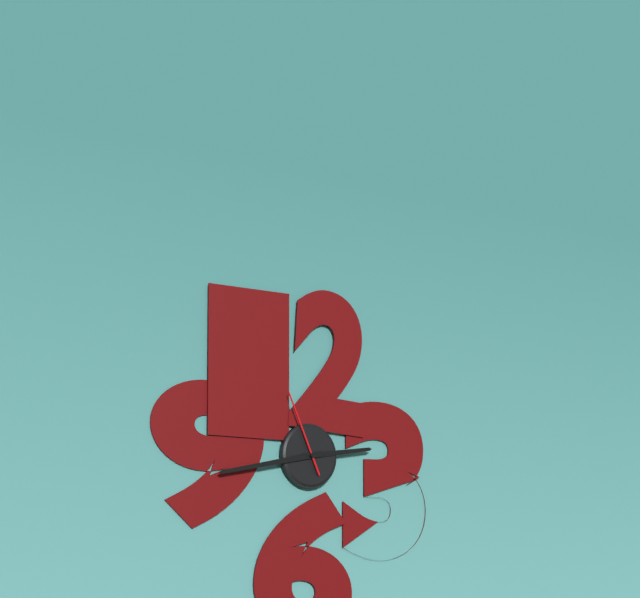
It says 2 h 43 min 56 s
